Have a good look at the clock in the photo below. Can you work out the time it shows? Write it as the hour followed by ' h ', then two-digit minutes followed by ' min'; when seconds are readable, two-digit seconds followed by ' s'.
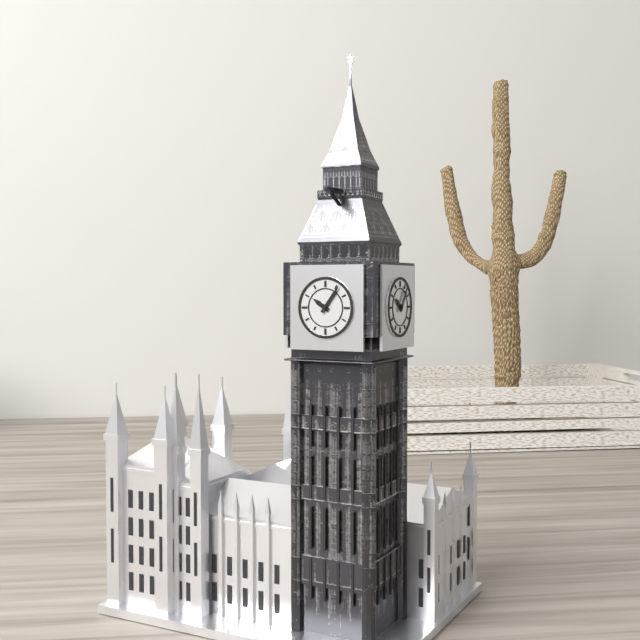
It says 10 h 06 min
